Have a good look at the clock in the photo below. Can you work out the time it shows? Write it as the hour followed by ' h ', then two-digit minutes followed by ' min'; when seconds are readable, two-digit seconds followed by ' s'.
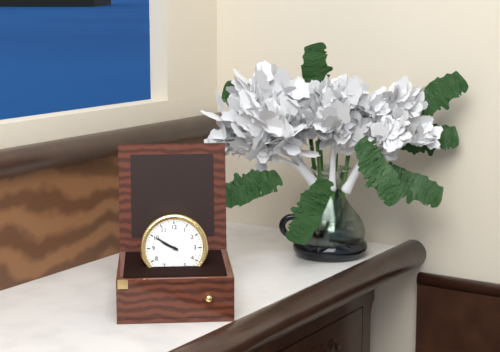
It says 9 h 50 min
